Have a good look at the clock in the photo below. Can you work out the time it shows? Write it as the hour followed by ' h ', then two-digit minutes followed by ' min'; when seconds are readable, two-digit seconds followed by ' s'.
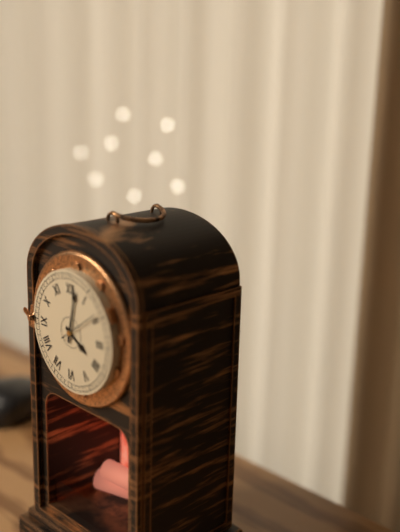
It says 4 h 02 min
